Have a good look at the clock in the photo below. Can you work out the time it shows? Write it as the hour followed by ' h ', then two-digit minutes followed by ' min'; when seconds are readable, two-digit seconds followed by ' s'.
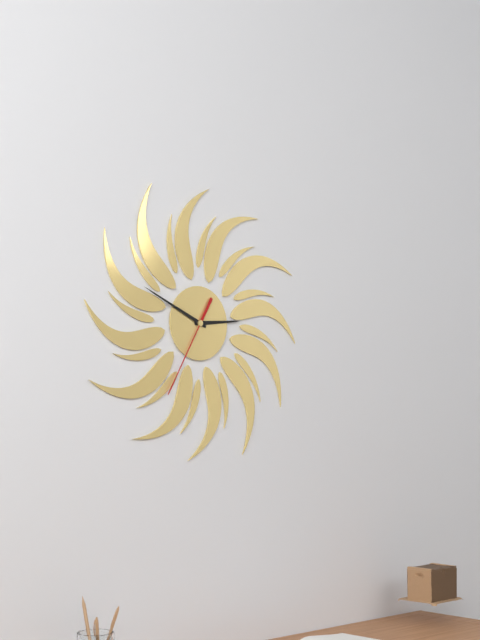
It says 2 h 49 min 35 s
